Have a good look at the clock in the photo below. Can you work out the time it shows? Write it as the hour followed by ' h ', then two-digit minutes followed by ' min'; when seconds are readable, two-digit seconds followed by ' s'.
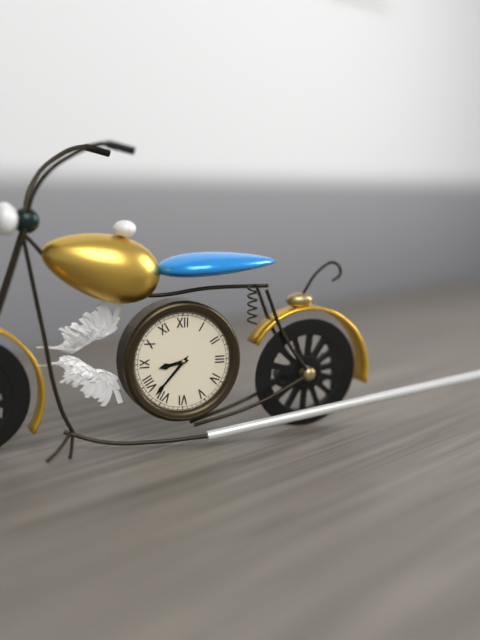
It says 8 h 37 min
